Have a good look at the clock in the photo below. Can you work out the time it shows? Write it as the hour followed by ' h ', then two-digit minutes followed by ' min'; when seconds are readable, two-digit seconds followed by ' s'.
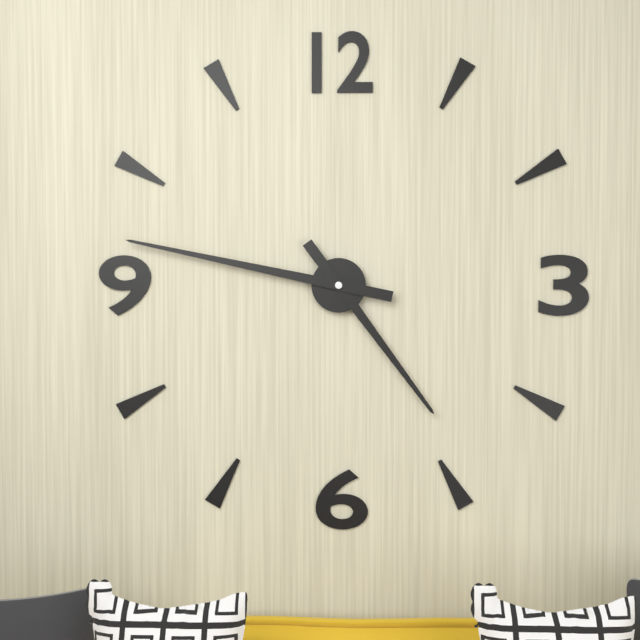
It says 4 h 47 min
